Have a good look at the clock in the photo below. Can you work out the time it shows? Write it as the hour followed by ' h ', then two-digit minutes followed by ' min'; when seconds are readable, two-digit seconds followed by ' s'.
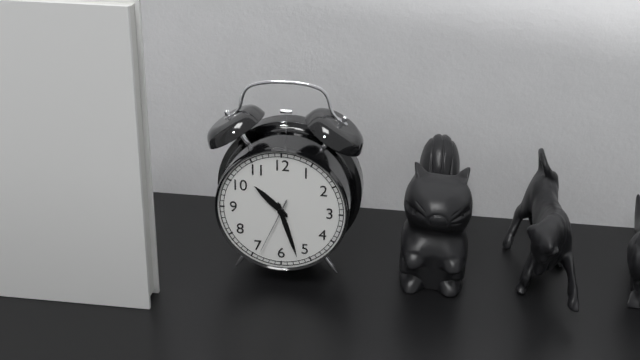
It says 10 h 27 min 34 s
